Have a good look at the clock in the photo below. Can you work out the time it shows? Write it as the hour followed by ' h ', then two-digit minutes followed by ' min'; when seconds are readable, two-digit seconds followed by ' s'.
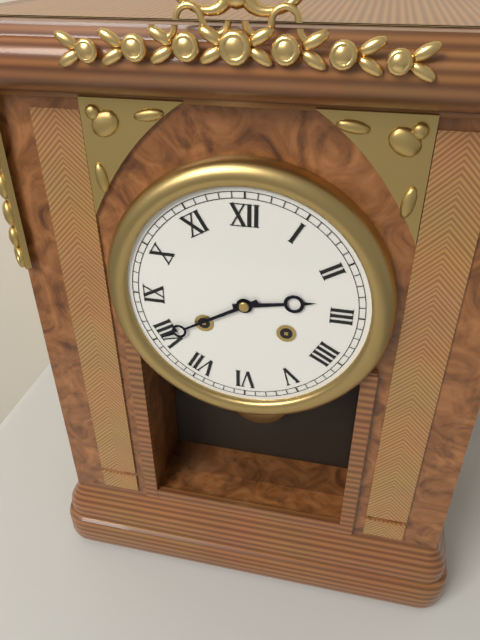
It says 2 h 40 min
